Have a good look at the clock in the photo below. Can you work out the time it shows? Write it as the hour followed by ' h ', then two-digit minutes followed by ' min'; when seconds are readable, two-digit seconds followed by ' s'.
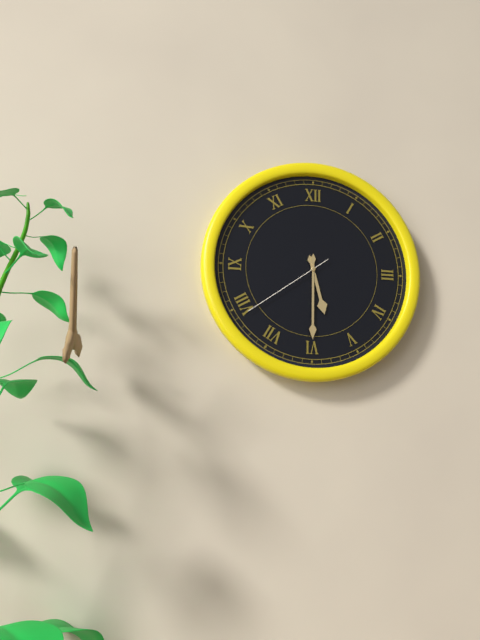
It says 5 h 30 min 39 s
